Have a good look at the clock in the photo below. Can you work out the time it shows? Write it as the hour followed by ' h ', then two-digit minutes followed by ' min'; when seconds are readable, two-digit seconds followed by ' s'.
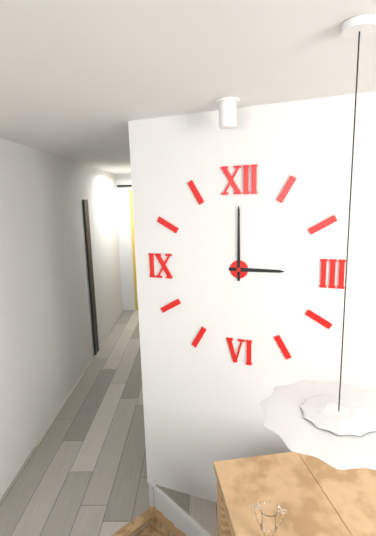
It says 3 h 00 min
